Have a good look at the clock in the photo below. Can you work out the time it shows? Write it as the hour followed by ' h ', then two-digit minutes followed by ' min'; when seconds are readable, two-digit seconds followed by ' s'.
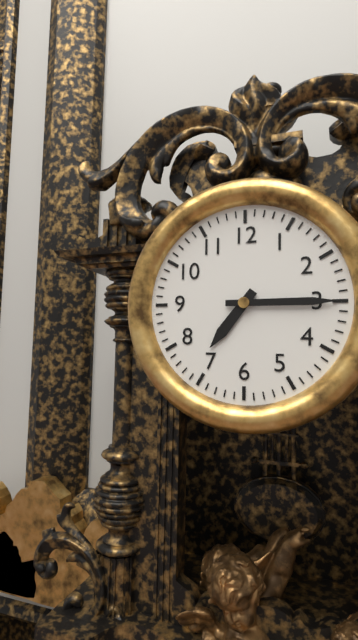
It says 7 h 15 min
